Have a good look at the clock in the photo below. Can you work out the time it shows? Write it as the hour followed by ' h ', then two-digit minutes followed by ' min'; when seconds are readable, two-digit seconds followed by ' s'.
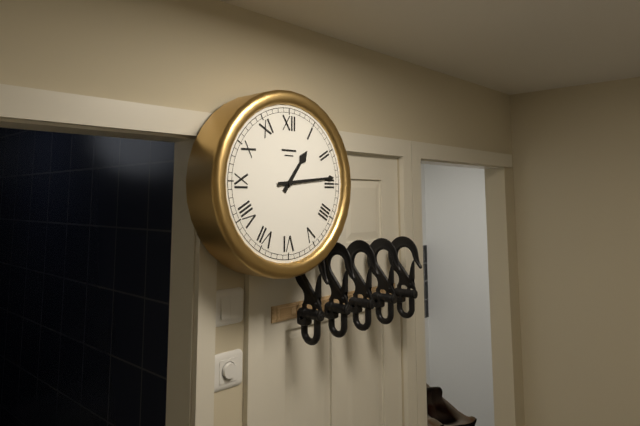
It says 1 h 14 min
